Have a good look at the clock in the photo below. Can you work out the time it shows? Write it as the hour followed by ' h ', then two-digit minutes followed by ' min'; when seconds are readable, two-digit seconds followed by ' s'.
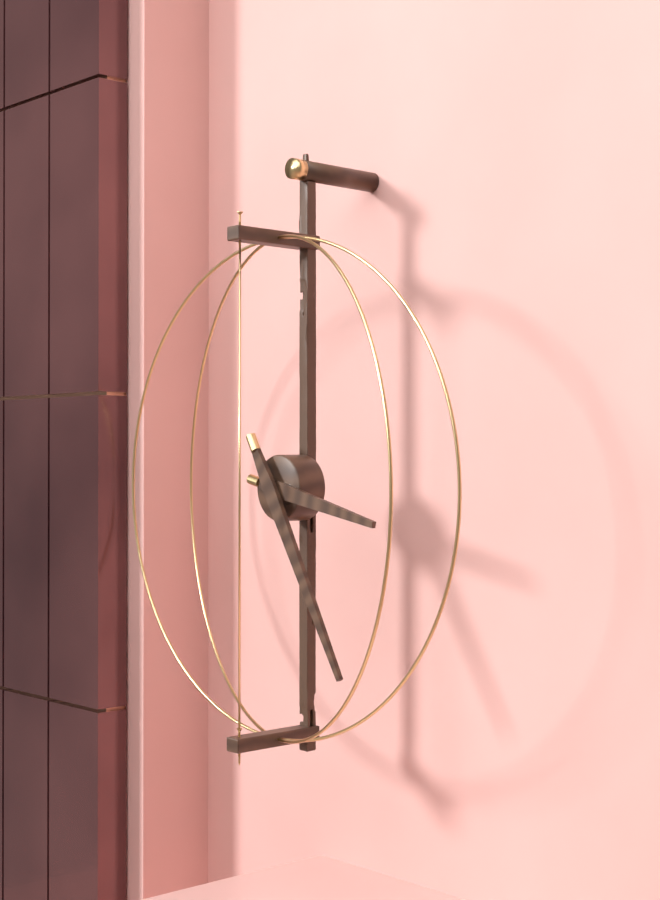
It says 3 h 25 min
